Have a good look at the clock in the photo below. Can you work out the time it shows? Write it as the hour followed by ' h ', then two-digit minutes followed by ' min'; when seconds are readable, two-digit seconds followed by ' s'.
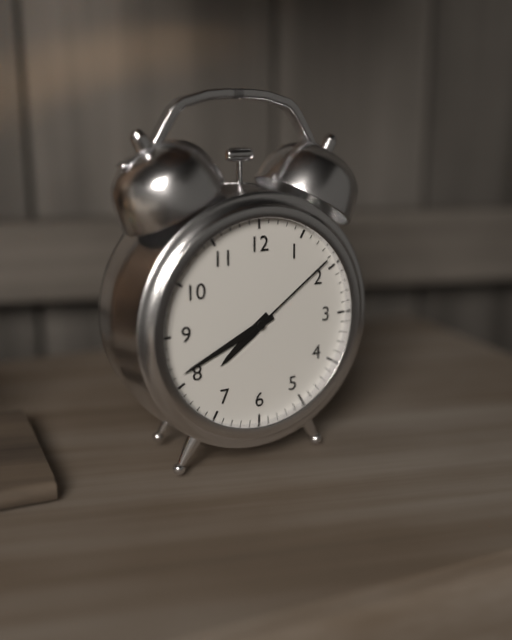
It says 7 h 41 min 09 s
